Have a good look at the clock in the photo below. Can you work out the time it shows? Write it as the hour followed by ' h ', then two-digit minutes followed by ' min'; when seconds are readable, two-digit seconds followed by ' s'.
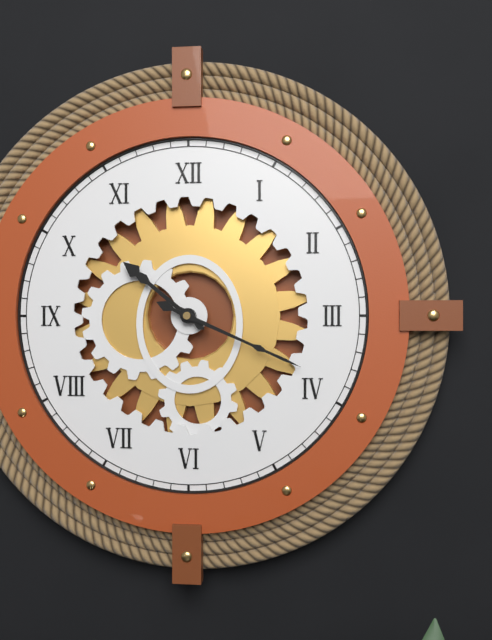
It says 10 h 19 min
